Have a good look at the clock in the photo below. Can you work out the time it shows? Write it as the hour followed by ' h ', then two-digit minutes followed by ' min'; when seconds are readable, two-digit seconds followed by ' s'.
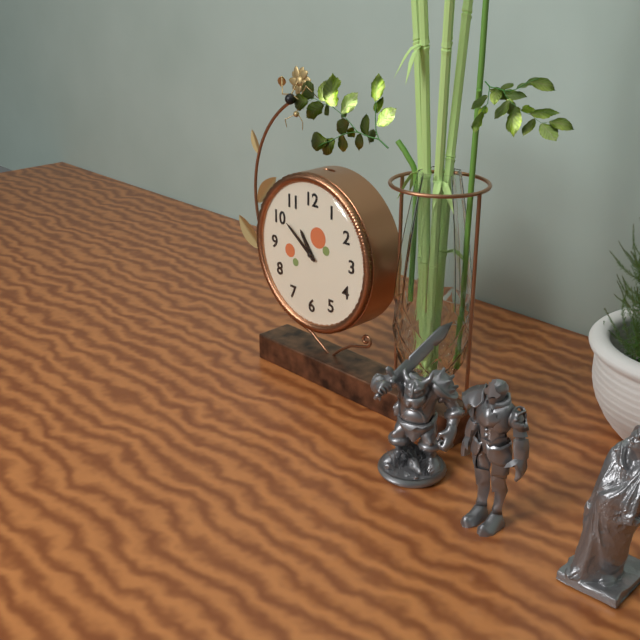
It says 10 h 51 min
